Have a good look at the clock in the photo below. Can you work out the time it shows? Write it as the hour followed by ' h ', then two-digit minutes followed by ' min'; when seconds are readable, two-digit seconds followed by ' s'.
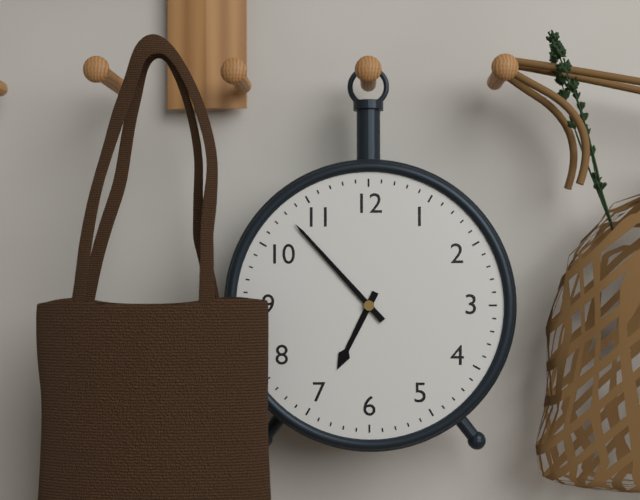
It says 6 h 53 min
